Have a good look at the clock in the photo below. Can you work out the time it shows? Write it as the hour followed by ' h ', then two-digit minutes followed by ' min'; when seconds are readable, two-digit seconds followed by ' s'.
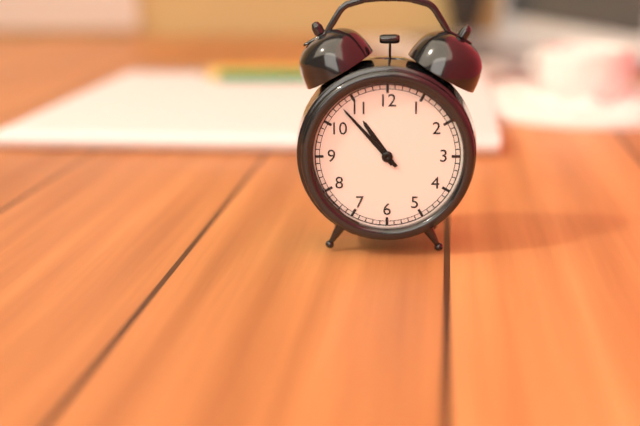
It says 10 h 53 min
